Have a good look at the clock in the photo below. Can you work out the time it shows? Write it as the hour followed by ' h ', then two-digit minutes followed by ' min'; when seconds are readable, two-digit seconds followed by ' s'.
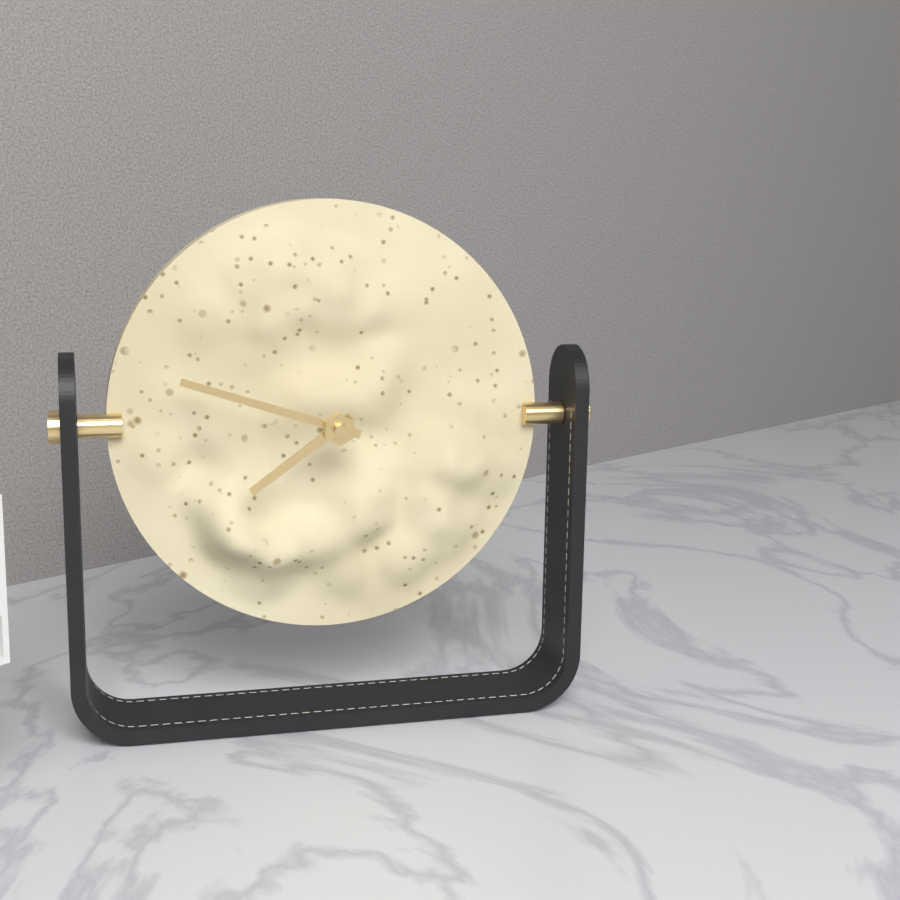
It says 7 h 48 min
